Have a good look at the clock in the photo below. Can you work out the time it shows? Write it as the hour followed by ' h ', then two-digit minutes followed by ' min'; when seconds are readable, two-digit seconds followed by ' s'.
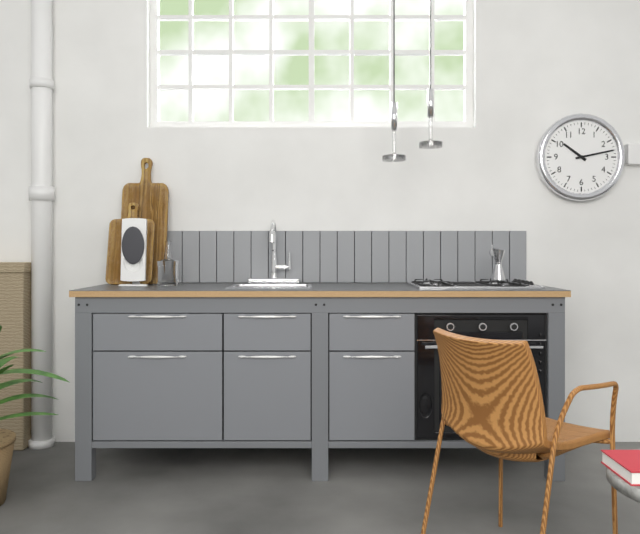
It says 10 h 13 min
